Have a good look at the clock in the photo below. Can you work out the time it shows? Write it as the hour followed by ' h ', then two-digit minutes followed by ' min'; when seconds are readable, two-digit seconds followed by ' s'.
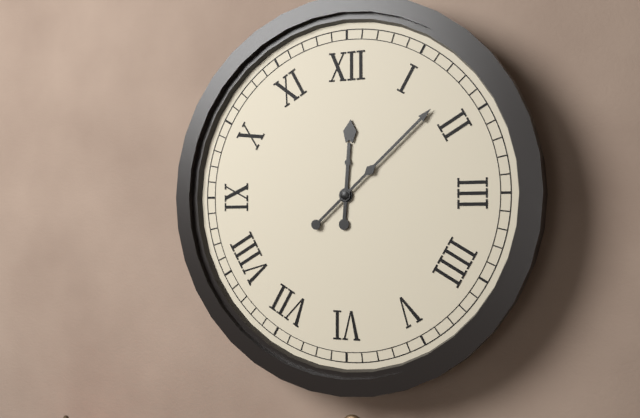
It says 12 h 08 min
